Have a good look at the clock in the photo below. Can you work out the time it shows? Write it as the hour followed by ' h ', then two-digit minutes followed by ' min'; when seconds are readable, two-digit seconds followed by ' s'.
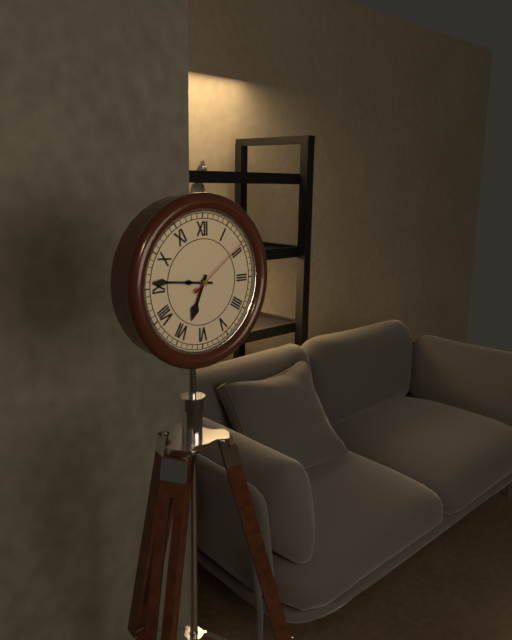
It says 6 h 46 min 09 s
